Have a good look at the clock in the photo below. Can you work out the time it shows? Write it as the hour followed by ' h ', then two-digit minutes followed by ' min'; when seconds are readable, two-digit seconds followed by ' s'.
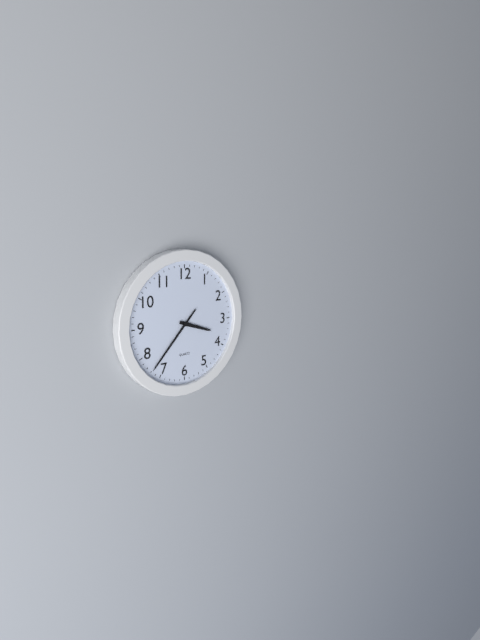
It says 3 h 37 min
